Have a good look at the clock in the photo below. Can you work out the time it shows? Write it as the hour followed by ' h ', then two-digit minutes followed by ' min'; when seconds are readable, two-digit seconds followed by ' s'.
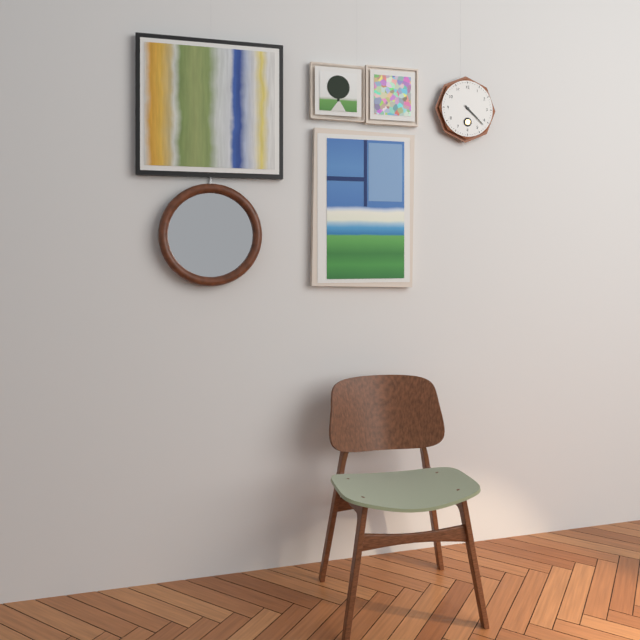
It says 4 h 22 min
